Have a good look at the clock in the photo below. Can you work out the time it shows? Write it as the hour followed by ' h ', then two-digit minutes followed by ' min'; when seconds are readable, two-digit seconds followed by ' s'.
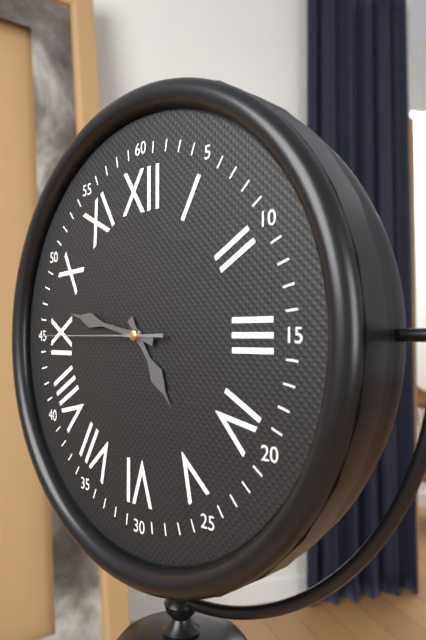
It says 4 h 47 min 45 s
